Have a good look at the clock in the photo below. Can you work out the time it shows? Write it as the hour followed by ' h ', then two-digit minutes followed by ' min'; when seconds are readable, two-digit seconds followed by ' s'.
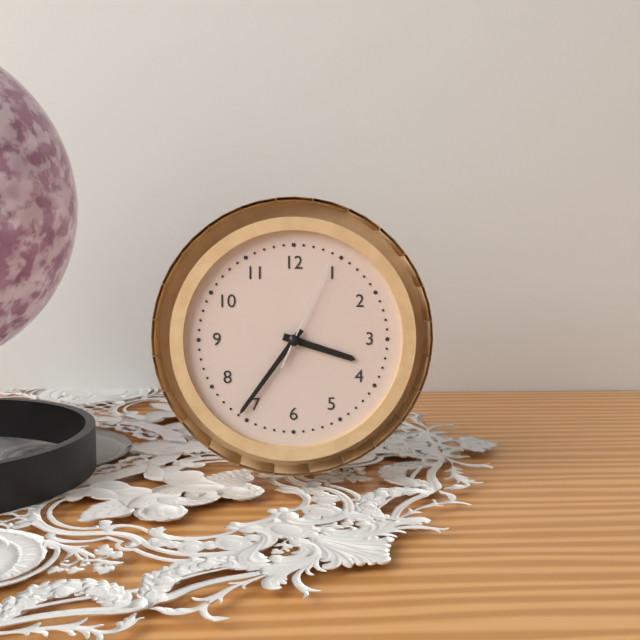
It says 3 h 36 min 04 s
